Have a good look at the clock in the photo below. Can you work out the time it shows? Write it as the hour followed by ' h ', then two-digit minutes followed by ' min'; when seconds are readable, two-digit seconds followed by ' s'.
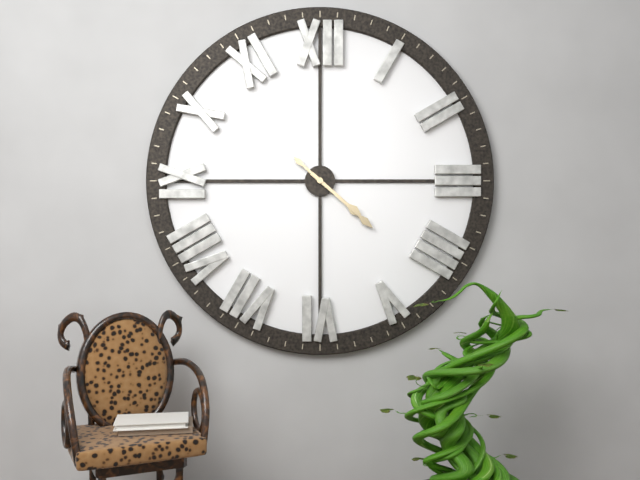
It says 4 h 22 min
